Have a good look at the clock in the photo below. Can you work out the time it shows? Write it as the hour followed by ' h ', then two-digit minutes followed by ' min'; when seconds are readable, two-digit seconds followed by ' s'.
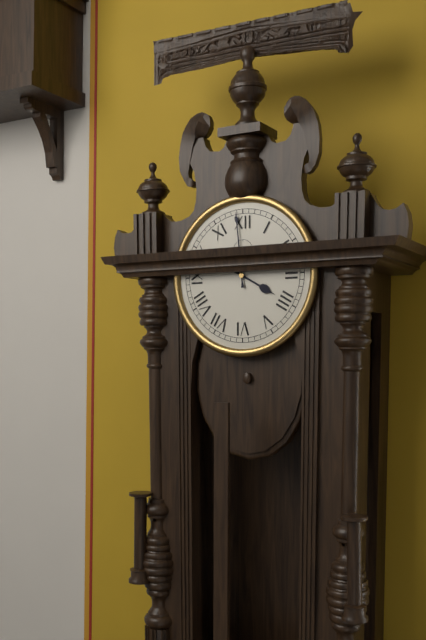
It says 3 h 59 min
